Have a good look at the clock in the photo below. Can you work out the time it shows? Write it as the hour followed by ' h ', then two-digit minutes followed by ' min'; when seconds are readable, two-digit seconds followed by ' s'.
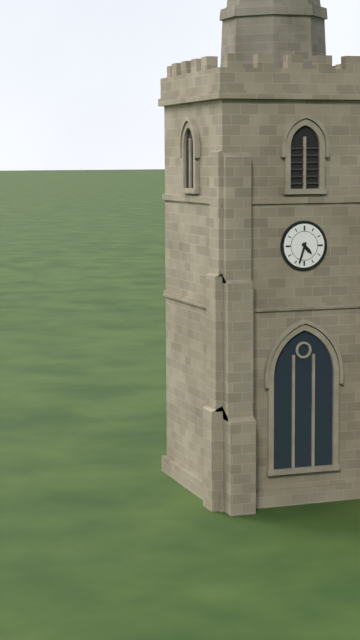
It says 4 h 33 min
